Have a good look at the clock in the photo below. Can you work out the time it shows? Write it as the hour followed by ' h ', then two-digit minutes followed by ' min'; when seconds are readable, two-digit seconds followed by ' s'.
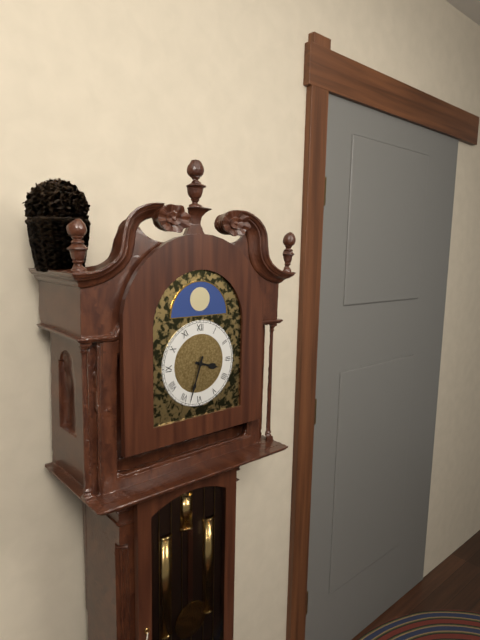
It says 3 h 33 min
